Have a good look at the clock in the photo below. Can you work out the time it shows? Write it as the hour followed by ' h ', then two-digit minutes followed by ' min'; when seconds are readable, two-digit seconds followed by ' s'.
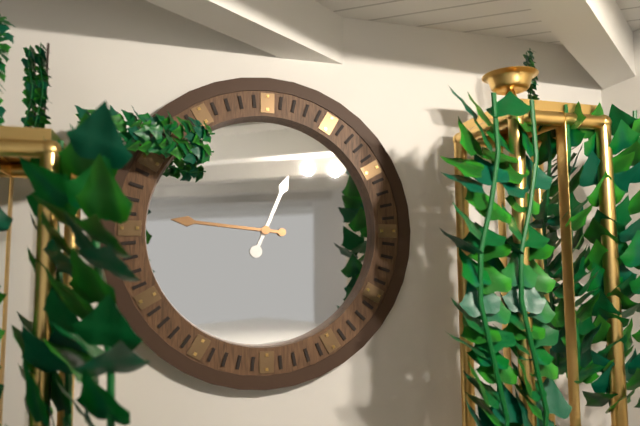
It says 12 h 46 min
